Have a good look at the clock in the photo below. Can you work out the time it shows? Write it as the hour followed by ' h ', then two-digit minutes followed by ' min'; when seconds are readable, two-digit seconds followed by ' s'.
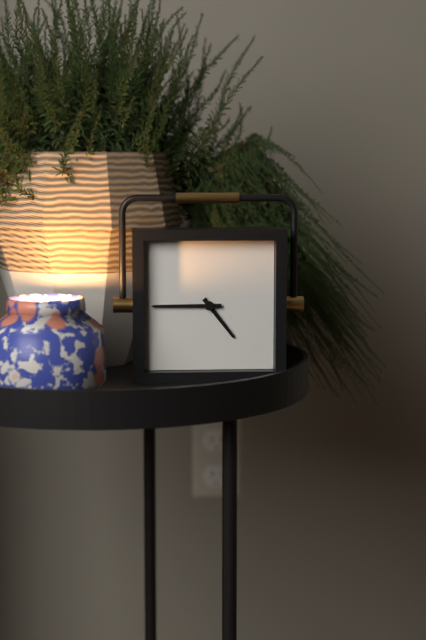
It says 4 h 45 min
